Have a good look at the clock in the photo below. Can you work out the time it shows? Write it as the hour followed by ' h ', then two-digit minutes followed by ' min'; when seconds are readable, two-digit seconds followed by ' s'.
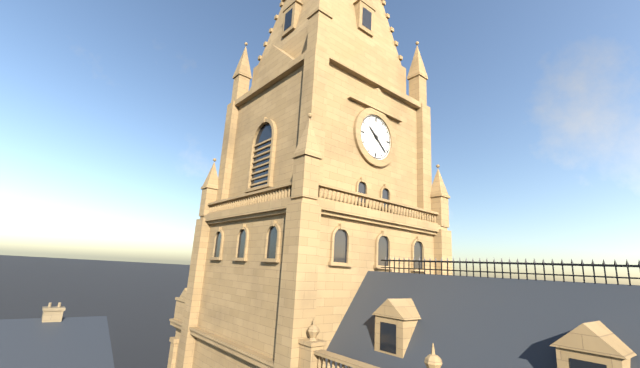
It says 10 h 22 min
